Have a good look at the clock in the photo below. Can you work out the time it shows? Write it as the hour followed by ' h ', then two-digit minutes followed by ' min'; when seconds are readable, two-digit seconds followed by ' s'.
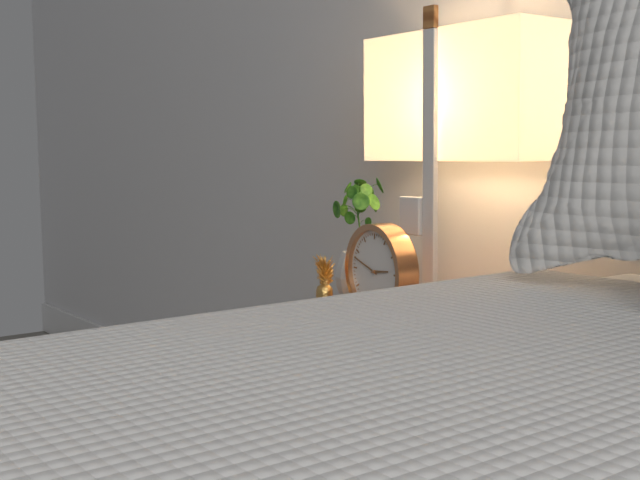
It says 2 h 48 min
